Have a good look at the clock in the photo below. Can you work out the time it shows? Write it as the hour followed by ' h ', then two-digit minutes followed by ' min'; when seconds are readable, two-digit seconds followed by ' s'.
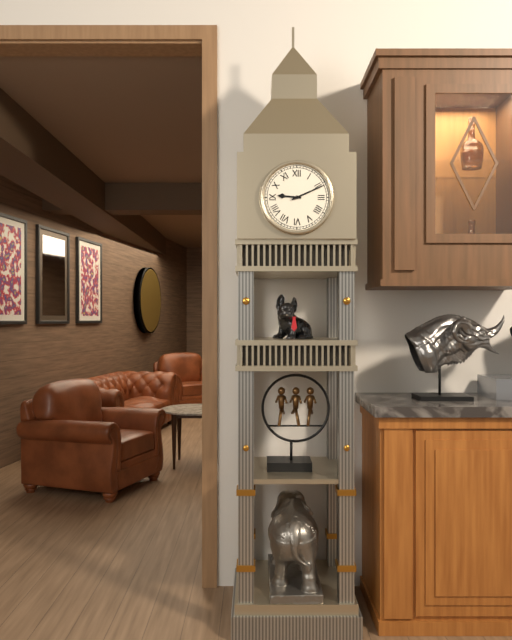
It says 9 h 11 min
